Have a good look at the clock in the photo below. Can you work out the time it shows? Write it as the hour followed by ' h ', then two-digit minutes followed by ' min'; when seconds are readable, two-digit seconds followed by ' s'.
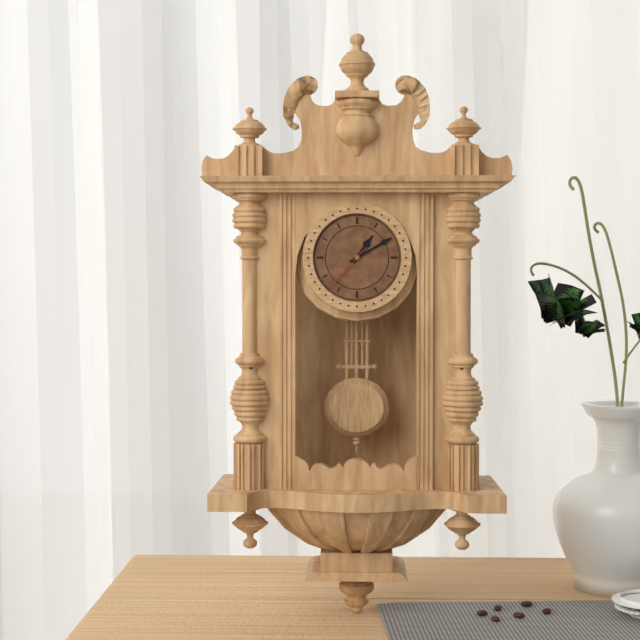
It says 1 h 10 min 37 s
